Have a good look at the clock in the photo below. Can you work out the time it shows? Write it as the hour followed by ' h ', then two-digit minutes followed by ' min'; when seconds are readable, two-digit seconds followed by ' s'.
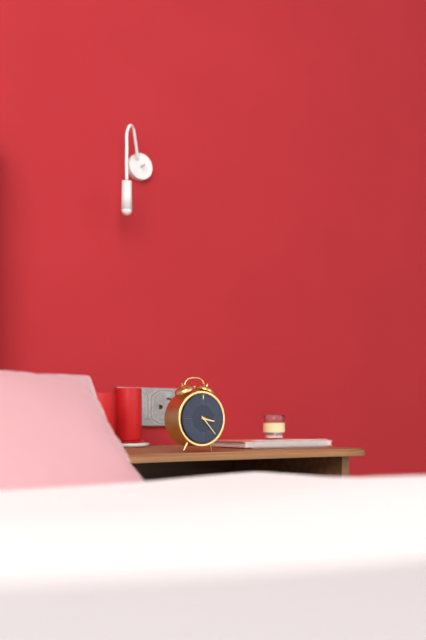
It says 3 h 23 min
